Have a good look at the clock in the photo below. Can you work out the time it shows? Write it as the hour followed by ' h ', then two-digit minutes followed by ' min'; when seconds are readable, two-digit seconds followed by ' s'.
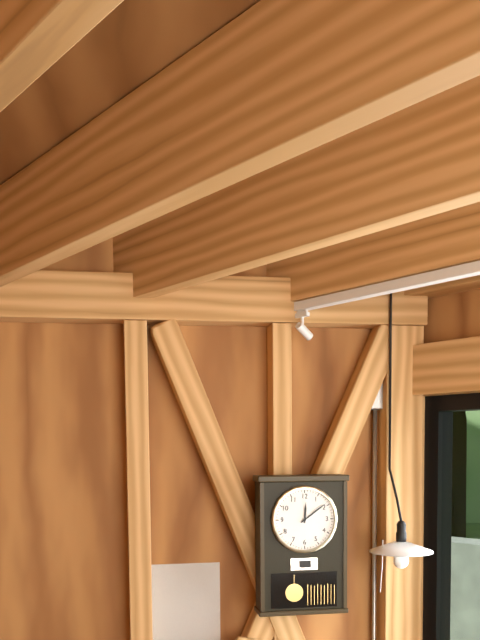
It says 12 h 09 min
